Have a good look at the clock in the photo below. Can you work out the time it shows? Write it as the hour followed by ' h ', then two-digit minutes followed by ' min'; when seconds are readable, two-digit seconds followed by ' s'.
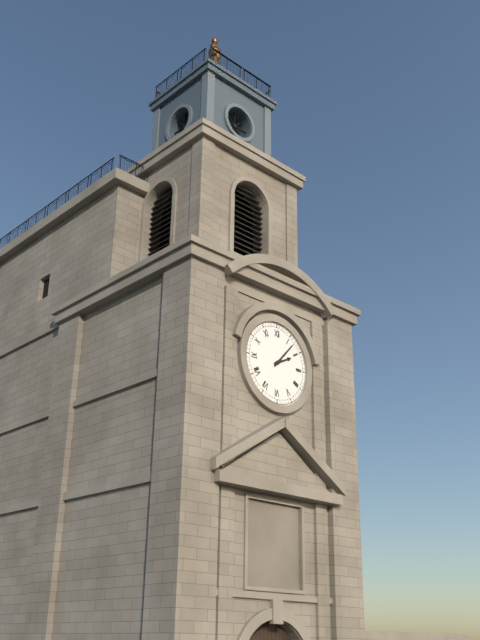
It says 2 h 07 min
